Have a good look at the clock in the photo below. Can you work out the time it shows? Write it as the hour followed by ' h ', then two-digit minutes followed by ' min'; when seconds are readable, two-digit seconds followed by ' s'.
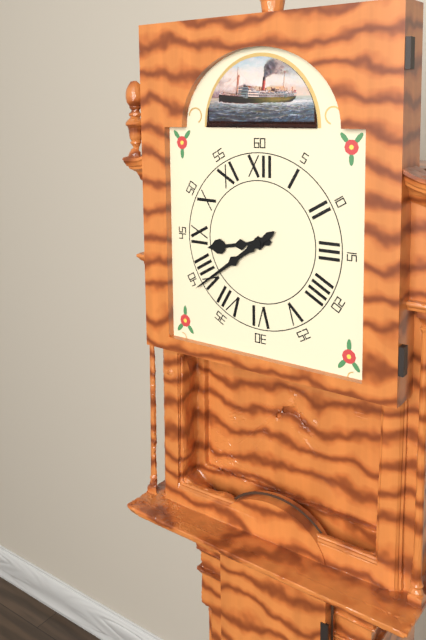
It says 8 h 39 min
